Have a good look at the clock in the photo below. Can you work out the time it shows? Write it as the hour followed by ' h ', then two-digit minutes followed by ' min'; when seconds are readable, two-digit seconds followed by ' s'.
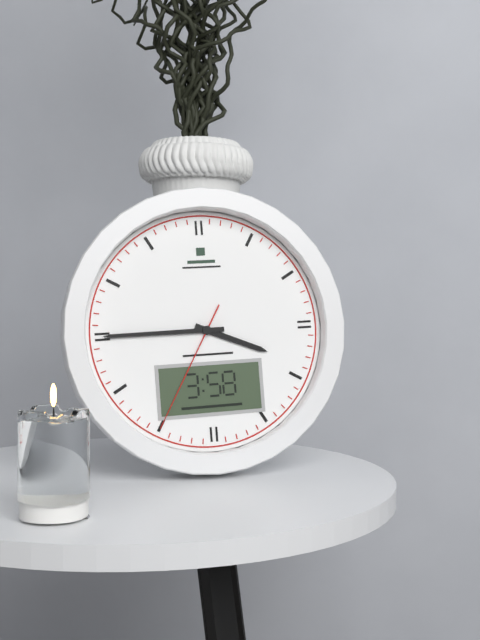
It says 3 h 45 min 35 s
